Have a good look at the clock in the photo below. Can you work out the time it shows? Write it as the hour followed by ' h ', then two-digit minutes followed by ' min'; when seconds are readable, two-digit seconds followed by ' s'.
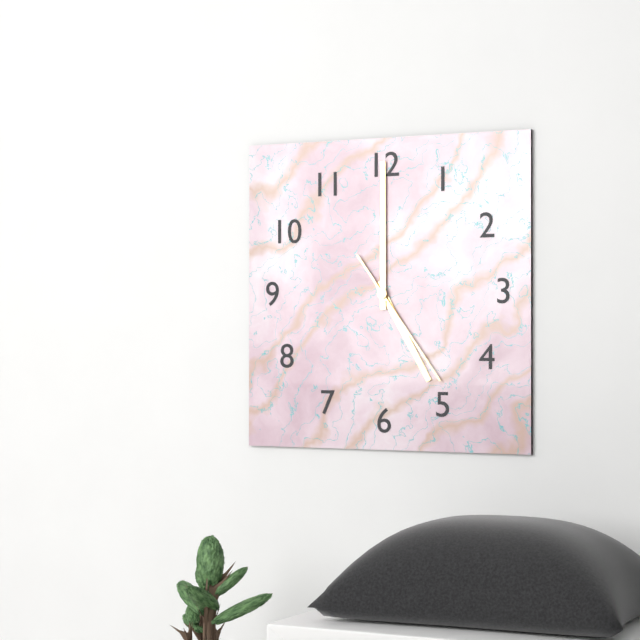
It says 5 h 00 min 24 s
